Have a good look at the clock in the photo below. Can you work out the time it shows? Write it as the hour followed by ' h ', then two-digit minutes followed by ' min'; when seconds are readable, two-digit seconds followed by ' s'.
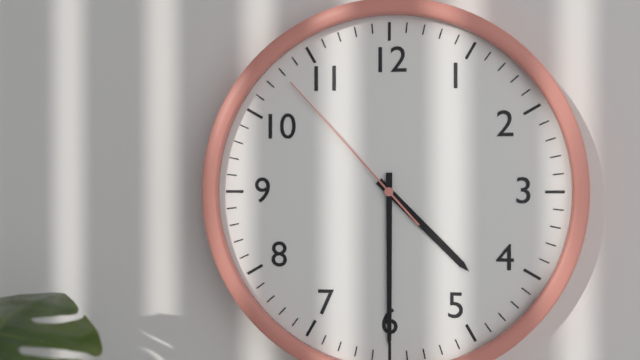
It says 4 h 30 min 53 s
